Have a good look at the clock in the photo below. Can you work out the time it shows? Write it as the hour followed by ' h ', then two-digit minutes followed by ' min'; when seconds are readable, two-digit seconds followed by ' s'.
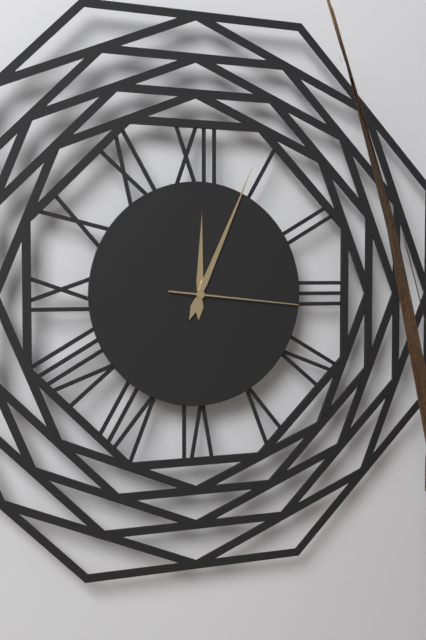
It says 12 h 04 min 16 s
